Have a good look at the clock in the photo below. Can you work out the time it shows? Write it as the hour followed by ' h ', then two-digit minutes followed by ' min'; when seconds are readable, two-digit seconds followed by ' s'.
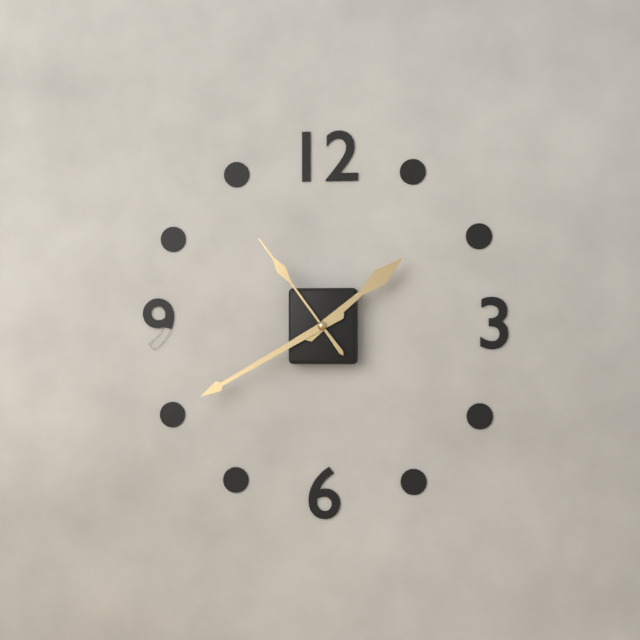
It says 1 h 40 min 54 s
